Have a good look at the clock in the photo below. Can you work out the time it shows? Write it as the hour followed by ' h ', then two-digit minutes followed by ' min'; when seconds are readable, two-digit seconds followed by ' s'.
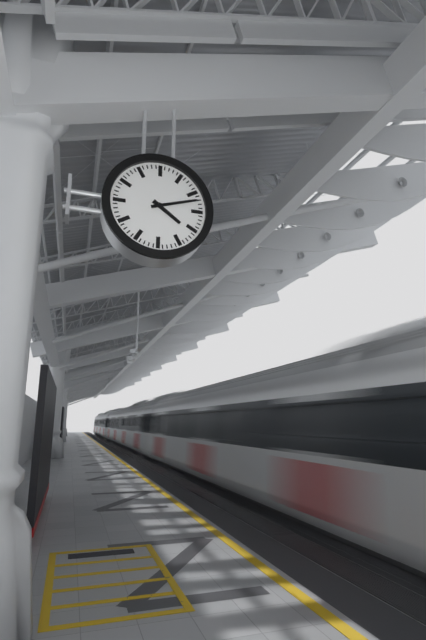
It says 4 h 12 min
